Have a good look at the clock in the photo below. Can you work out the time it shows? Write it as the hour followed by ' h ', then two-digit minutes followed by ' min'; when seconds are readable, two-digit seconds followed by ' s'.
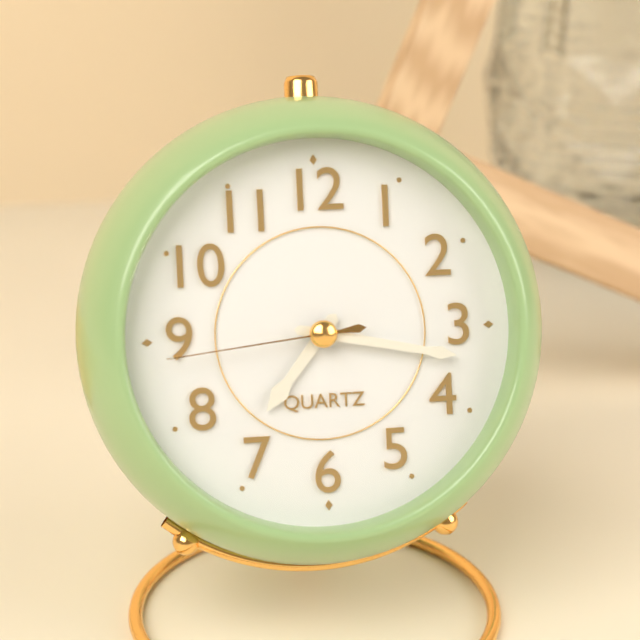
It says 7 h 17 min 44 s
